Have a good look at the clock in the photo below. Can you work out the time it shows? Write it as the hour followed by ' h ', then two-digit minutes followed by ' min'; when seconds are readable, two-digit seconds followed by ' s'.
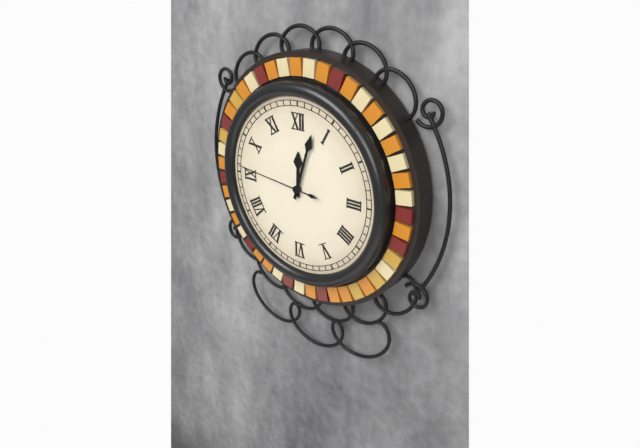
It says 12 h 03 min 46 s
